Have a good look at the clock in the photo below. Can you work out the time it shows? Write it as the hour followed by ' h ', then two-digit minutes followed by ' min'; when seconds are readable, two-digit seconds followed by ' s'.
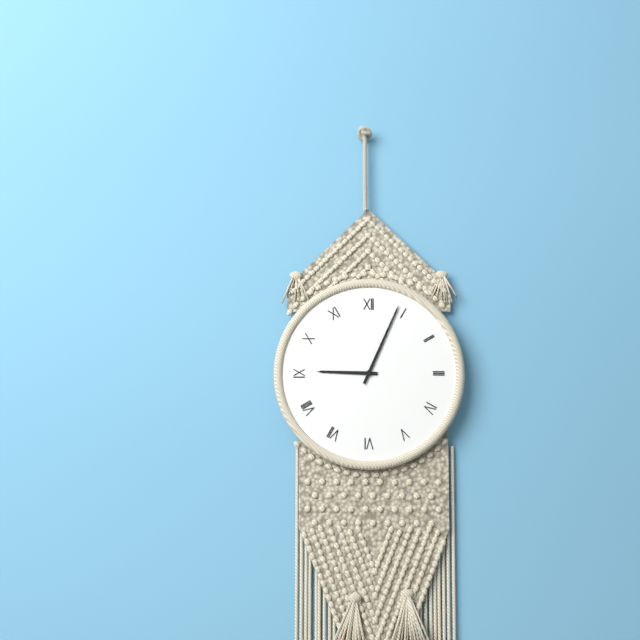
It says 9 h 04 min
